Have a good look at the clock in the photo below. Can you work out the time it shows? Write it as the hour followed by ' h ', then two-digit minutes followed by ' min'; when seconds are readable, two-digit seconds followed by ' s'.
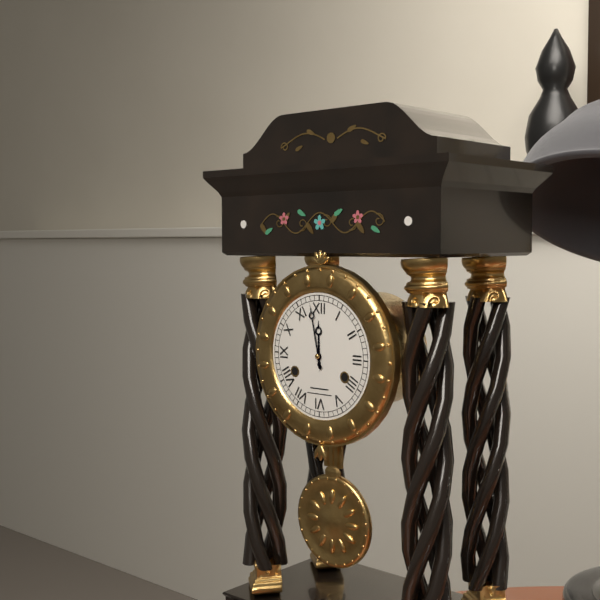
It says 11 h 58 min
